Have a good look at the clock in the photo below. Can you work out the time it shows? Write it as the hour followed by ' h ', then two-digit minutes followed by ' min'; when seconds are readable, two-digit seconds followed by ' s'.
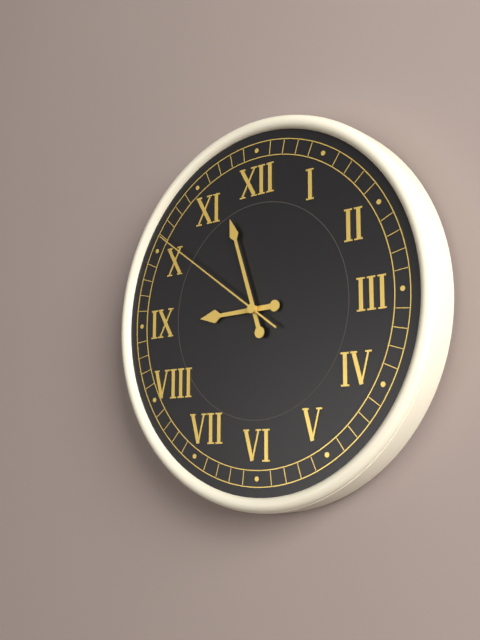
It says 8 h 57 min 51 s
